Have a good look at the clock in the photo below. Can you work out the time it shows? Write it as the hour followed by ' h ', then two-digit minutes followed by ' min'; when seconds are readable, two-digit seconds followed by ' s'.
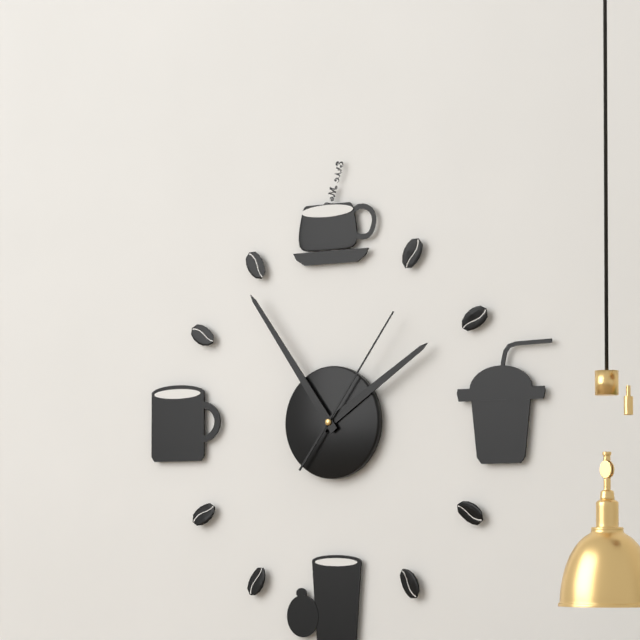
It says 1 h 54 min 06 s
